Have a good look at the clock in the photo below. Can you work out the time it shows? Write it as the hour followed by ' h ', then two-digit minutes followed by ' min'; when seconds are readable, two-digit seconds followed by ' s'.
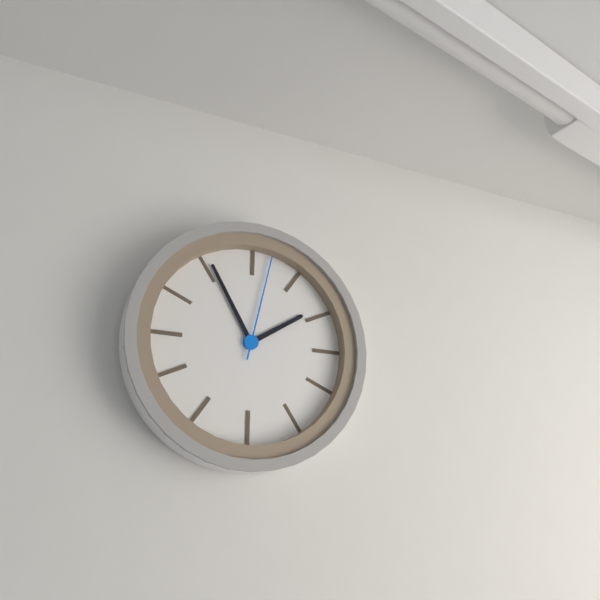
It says 1 h 55 min 02 s
